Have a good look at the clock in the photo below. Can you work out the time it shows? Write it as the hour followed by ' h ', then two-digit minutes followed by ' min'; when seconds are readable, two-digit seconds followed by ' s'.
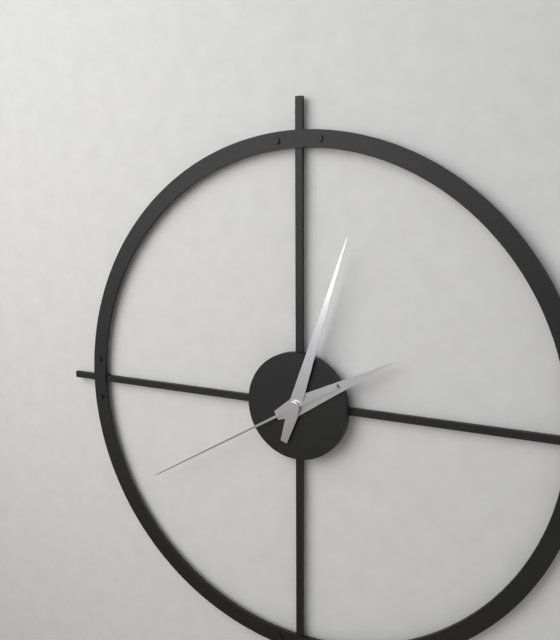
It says 2 h 03 min 40 s
